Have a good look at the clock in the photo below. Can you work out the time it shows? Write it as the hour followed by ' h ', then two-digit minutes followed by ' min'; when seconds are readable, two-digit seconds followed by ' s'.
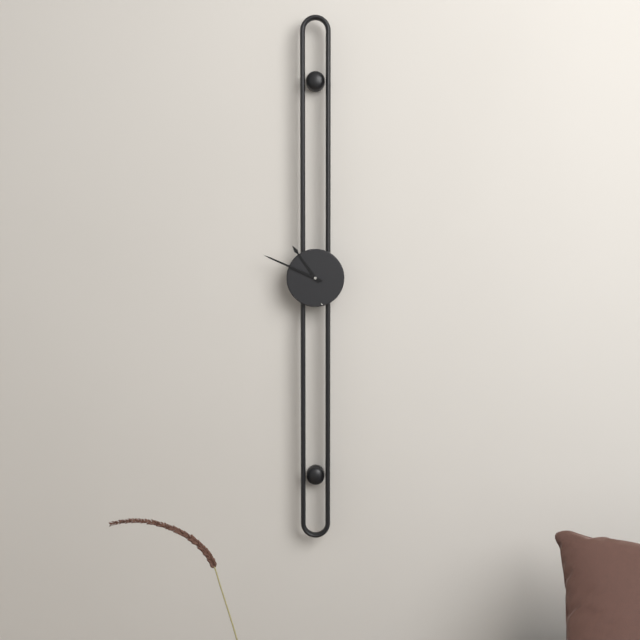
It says 10 h 49 min
